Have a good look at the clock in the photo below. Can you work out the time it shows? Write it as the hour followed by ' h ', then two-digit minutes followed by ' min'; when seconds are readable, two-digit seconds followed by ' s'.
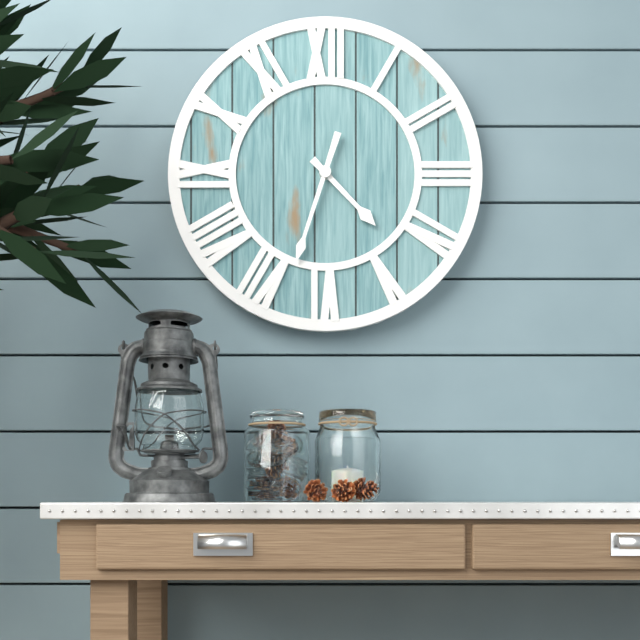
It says 4 h 33 min
